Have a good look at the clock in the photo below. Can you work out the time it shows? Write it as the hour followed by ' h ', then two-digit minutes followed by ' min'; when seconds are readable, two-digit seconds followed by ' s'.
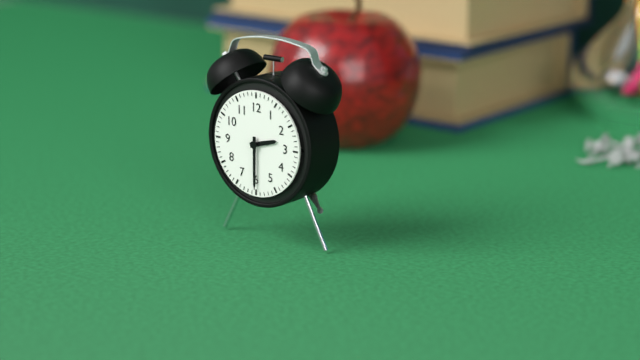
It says 2 h 30 min
